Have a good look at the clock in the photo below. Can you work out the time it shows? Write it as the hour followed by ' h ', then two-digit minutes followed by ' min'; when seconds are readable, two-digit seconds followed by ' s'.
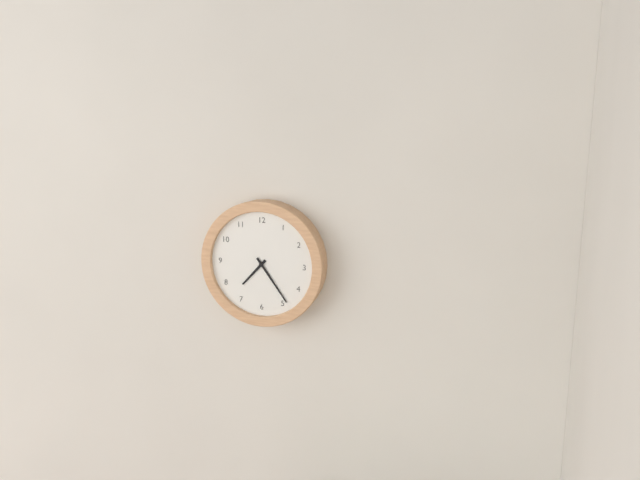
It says 7 h 24 min
